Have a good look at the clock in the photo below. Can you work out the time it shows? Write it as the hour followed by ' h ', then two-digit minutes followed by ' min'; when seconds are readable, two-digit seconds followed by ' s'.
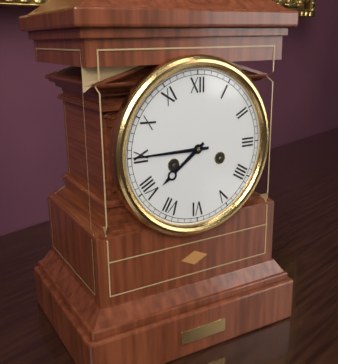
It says 7 h 45 min
